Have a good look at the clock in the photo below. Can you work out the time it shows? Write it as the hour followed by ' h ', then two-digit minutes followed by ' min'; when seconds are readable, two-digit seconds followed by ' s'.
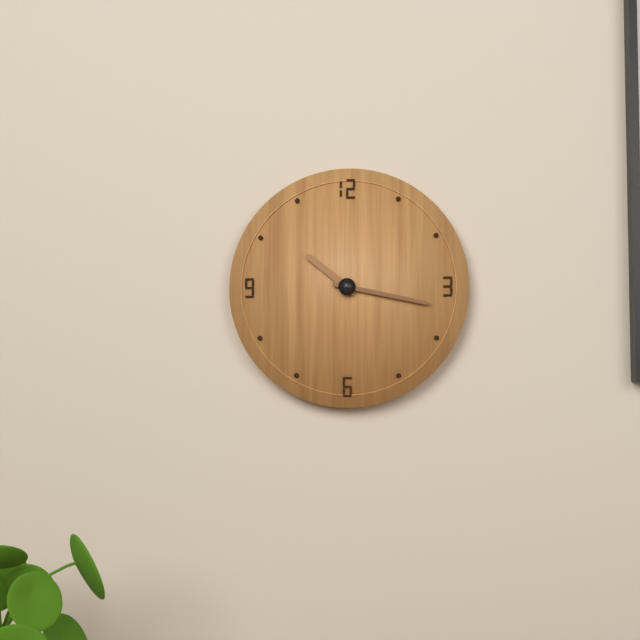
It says 10 h 17 min
